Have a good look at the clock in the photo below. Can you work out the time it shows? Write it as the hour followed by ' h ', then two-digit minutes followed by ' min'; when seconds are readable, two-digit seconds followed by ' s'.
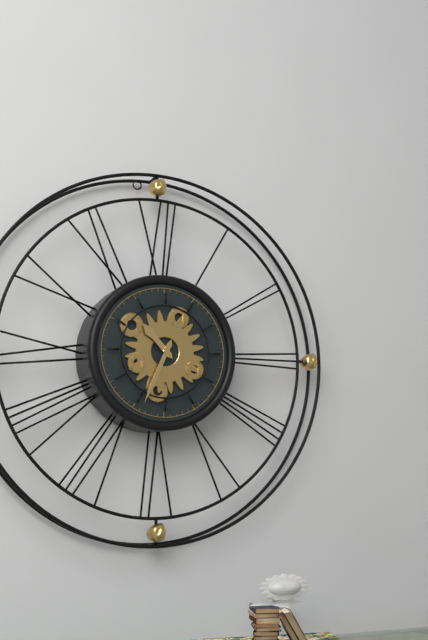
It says 10 h 34 min
